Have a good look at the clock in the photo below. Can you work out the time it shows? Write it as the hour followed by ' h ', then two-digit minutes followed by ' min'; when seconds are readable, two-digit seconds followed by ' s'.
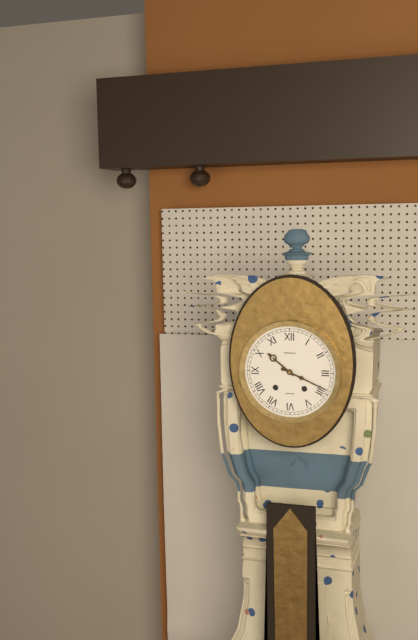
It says 10 h 19 min
